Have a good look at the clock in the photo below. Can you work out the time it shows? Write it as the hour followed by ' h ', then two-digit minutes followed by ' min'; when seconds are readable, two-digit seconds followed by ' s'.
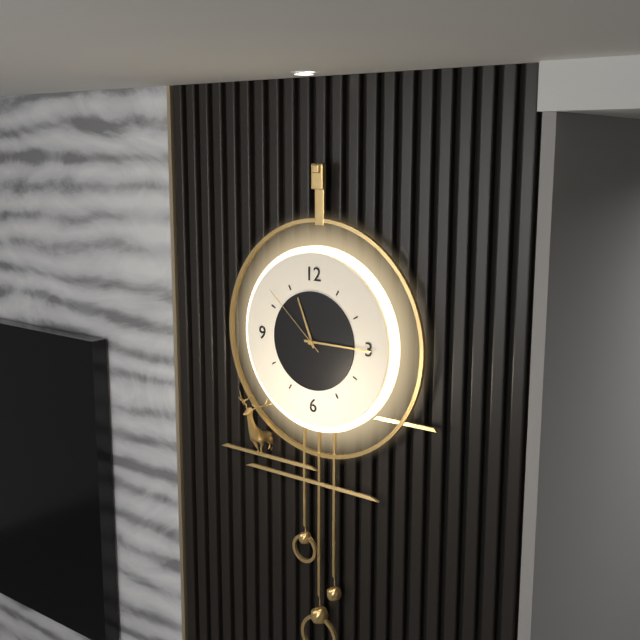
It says 11 h 15 min 52 s
